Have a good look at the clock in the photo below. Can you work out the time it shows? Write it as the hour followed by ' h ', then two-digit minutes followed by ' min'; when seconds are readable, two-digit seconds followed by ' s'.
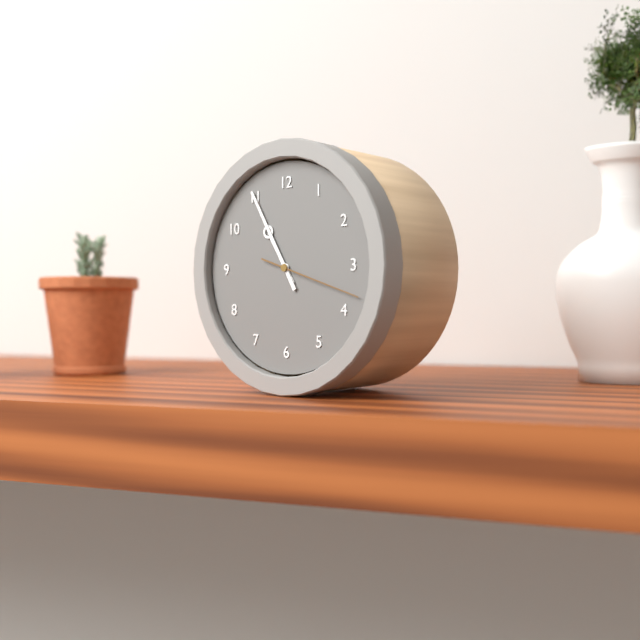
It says 10 h 55 min 18 s
